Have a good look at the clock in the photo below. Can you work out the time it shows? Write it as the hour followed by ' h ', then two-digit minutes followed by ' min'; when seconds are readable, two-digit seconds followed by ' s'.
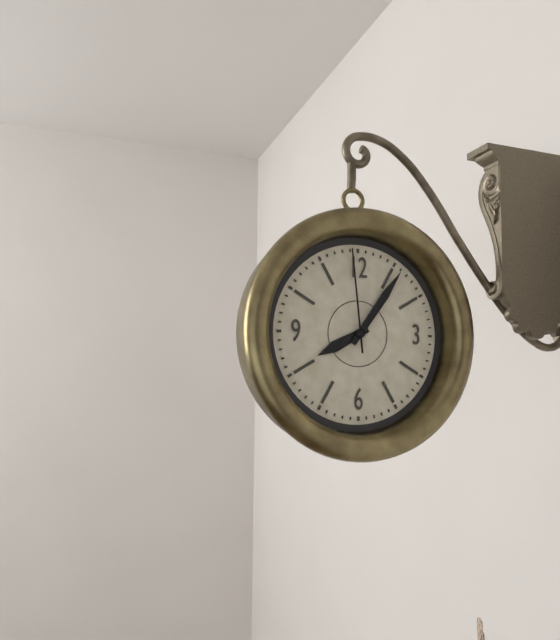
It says 8 h 06 min 59 s
